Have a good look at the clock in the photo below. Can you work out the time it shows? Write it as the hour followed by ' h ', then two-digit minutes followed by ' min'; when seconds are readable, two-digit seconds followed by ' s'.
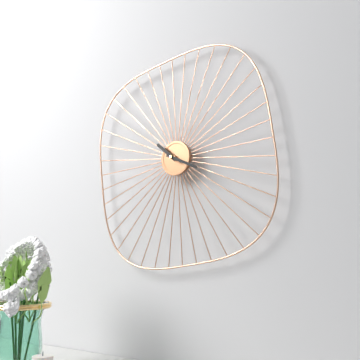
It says 10 h 19 min
